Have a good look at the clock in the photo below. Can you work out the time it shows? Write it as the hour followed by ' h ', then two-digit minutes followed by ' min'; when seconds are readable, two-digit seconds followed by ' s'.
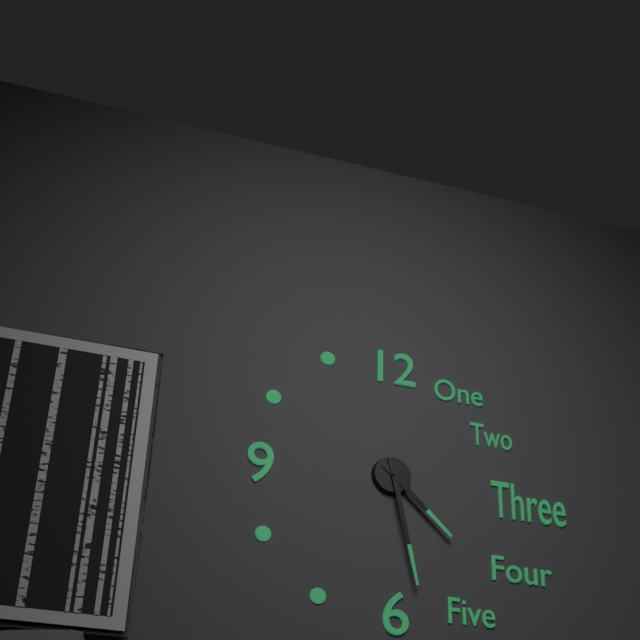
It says 4 h 28 min
